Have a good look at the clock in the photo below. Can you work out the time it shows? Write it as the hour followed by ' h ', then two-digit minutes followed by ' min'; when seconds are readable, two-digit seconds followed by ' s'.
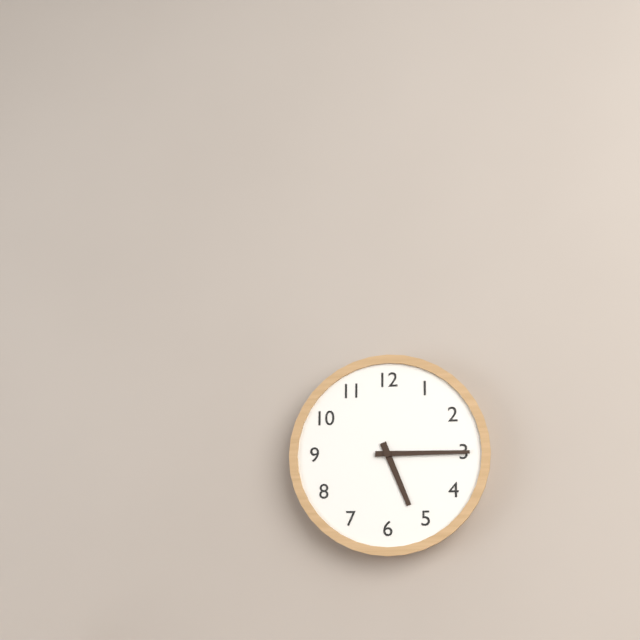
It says 5 h 15 min
